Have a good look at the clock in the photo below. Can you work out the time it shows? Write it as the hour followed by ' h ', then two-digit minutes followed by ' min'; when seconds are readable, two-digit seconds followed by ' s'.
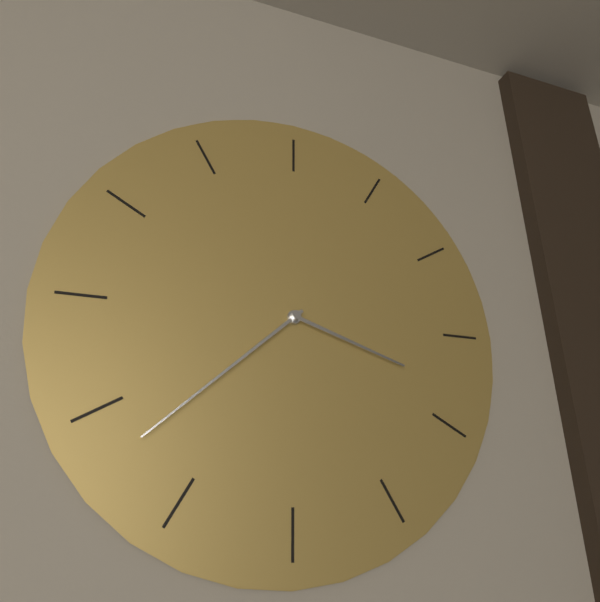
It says 3 h 38 min
